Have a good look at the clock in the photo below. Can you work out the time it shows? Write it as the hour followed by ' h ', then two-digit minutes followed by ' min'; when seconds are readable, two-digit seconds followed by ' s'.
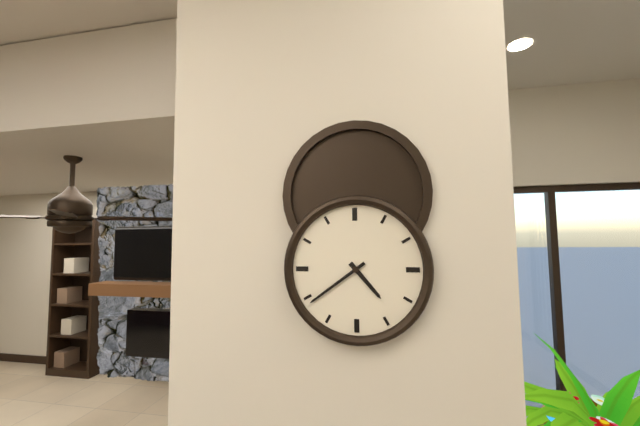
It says 4 h 39 min
